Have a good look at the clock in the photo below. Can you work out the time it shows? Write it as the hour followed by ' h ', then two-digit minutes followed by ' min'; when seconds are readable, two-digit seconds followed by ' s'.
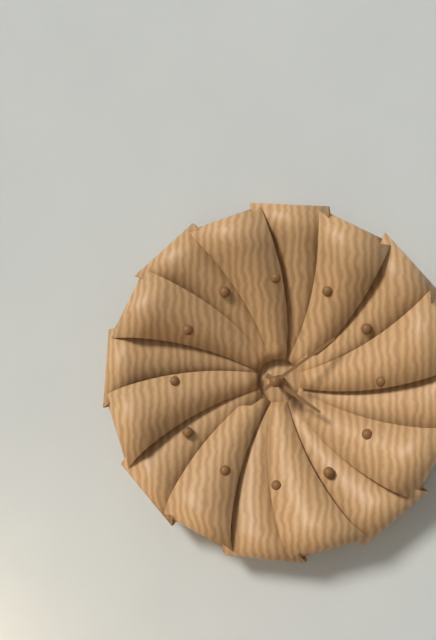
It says 4 h 09 min
